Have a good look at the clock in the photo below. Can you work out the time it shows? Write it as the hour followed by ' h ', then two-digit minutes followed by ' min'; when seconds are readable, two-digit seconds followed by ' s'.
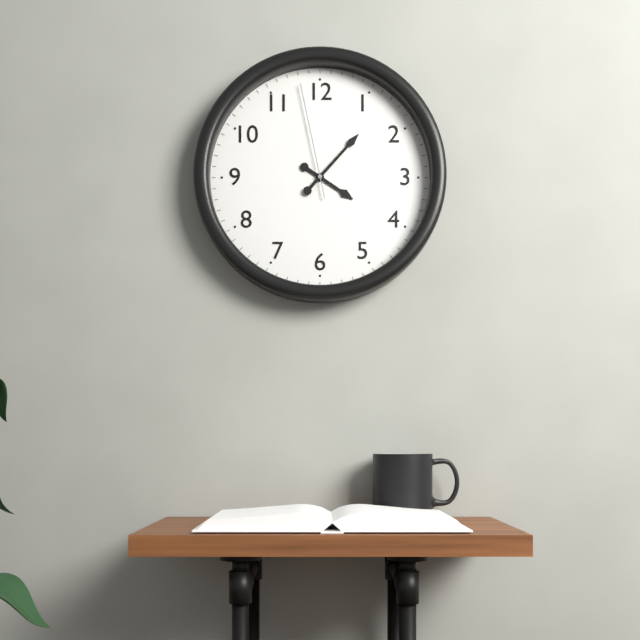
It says 4 h 07 min 58 s
